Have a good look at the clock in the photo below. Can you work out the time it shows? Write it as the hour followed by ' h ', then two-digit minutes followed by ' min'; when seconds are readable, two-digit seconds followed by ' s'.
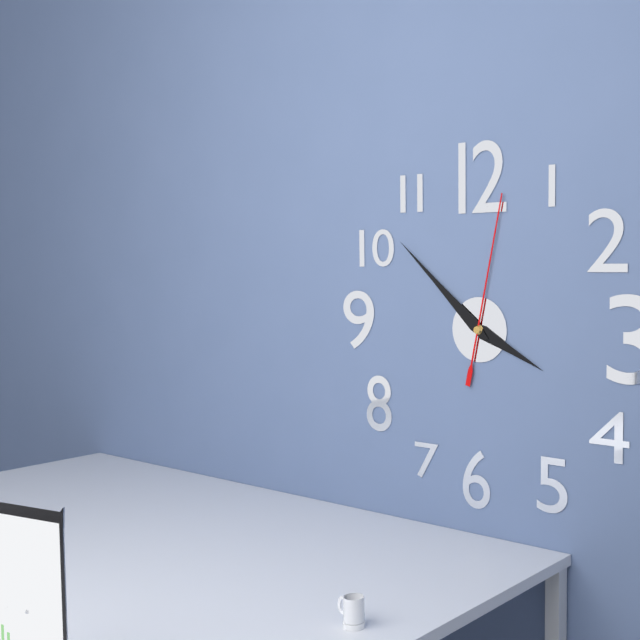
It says 3 h 52 min 02 s
